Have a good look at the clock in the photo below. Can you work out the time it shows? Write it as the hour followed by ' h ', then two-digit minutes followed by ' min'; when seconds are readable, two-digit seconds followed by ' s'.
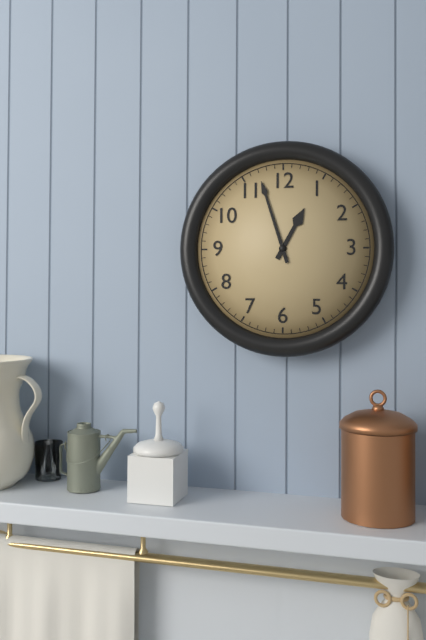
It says 12 h 57 min
